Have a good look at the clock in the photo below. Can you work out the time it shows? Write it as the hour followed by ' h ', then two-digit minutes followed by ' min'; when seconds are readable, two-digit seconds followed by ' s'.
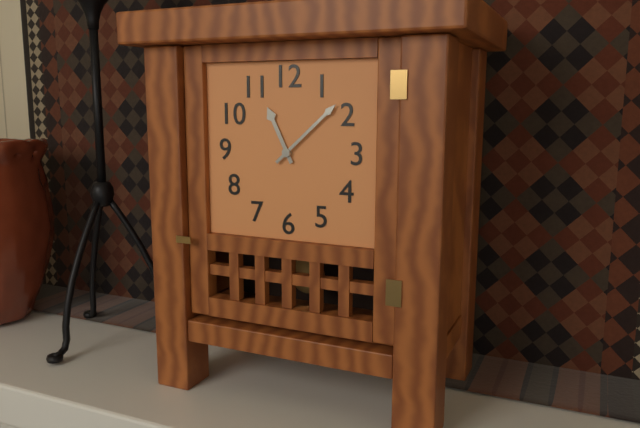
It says 11 h 08 min
